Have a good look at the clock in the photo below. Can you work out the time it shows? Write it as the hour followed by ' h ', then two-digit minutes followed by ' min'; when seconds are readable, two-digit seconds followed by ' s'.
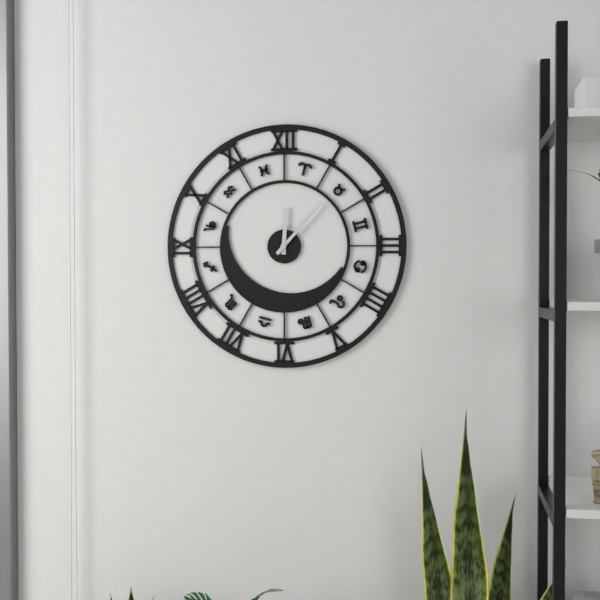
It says 12 h 07 min
